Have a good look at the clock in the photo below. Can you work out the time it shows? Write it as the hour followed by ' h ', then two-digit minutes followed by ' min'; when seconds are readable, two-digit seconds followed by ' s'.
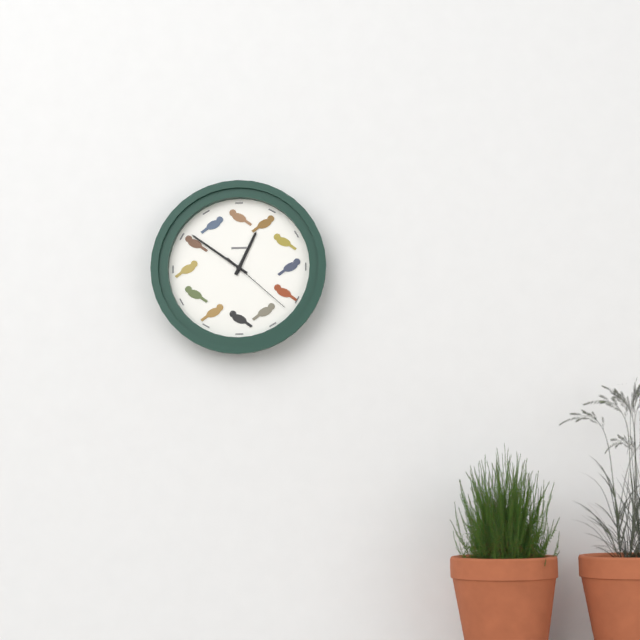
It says 12 h 51 min 22 s
